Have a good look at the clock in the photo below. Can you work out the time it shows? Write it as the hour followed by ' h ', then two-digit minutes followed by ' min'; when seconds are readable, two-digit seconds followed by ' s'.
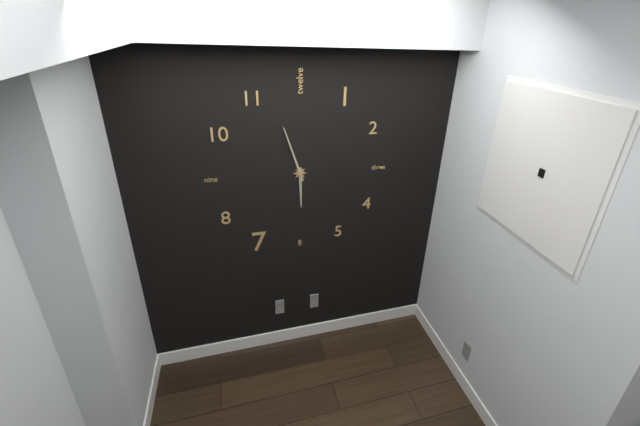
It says 5 h 57 min
